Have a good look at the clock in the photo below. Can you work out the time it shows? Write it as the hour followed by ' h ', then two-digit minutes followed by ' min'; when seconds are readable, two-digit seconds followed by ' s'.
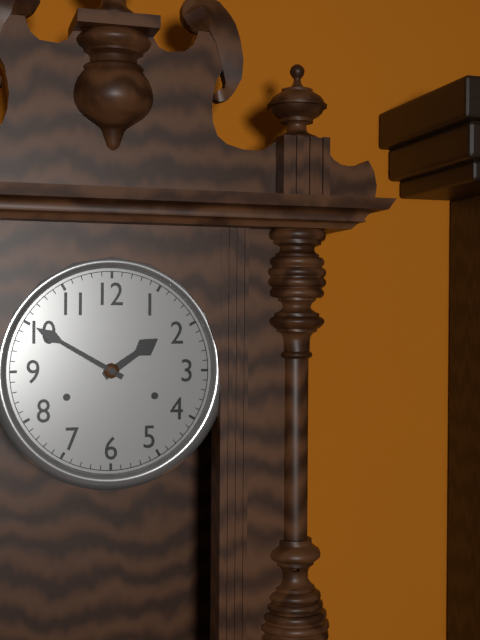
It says 1 h 50 min
